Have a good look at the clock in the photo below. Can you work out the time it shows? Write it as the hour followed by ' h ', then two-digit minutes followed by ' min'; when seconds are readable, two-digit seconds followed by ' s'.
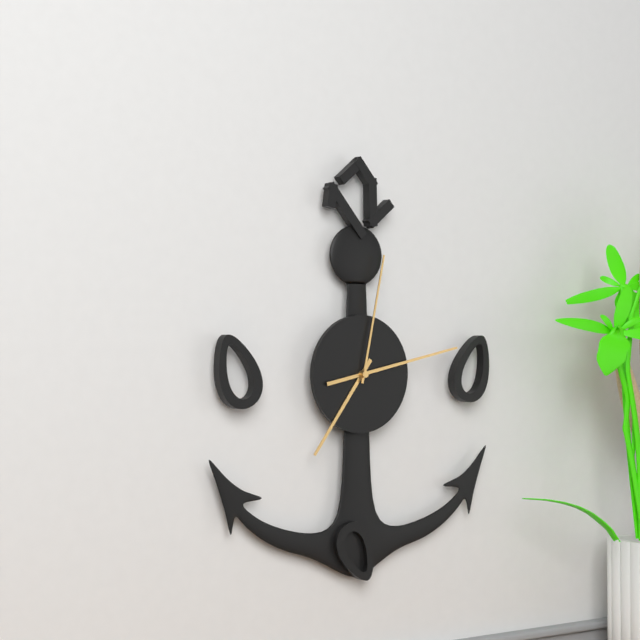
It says 7 h 13 min 02 s
